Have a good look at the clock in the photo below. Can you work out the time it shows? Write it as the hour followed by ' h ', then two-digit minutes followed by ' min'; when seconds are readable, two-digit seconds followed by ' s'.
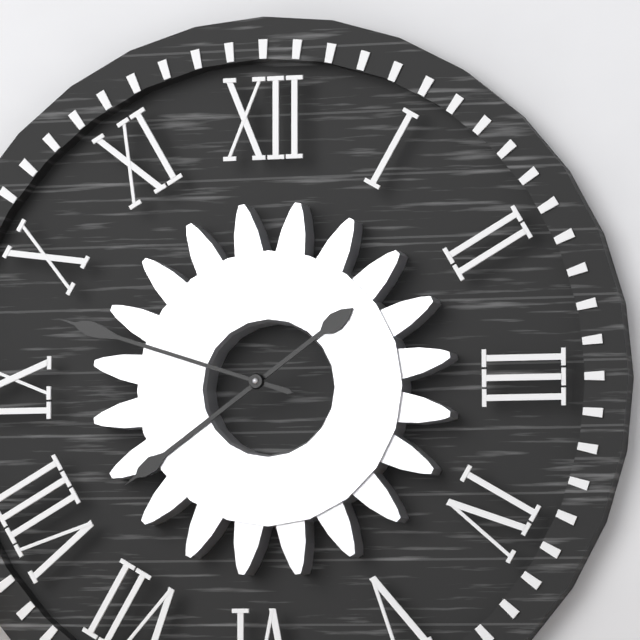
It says 7 h 48 min
